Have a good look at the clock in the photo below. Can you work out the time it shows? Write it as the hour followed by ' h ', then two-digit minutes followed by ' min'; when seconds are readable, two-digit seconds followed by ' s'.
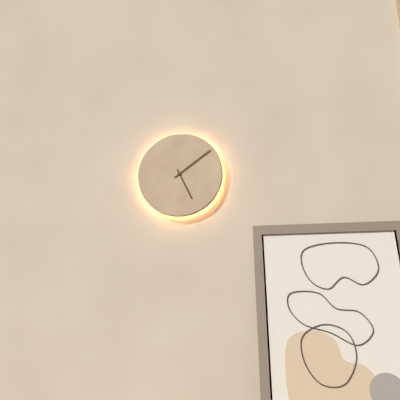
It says 5 h 09 min
